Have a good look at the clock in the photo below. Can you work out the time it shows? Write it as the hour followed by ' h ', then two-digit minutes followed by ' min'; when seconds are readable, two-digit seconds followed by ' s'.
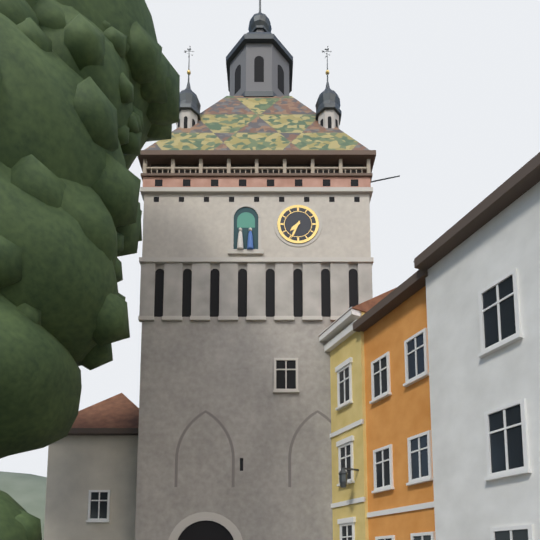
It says 7 h 34 min
